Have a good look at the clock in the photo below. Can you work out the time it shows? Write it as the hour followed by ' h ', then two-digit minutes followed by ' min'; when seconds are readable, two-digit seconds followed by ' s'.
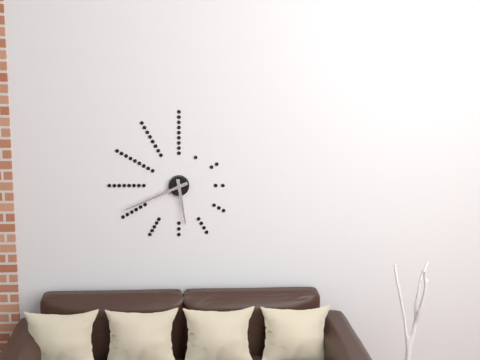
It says 5 h 41 min
